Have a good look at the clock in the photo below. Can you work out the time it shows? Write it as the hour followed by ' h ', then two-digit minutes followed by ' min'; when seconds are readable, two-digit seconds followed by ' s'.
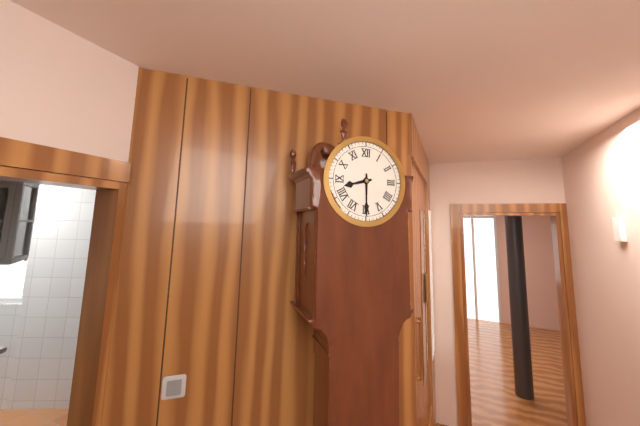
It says 8 h 30 min
